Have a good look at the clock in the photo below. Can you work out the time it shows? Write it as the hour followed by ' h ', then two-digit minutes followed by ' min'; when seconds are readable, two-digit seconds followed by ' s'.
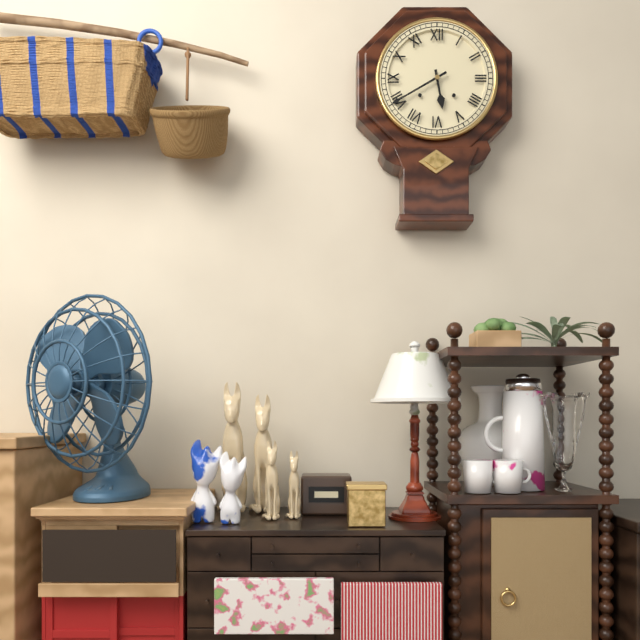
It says 5 h 40 min
